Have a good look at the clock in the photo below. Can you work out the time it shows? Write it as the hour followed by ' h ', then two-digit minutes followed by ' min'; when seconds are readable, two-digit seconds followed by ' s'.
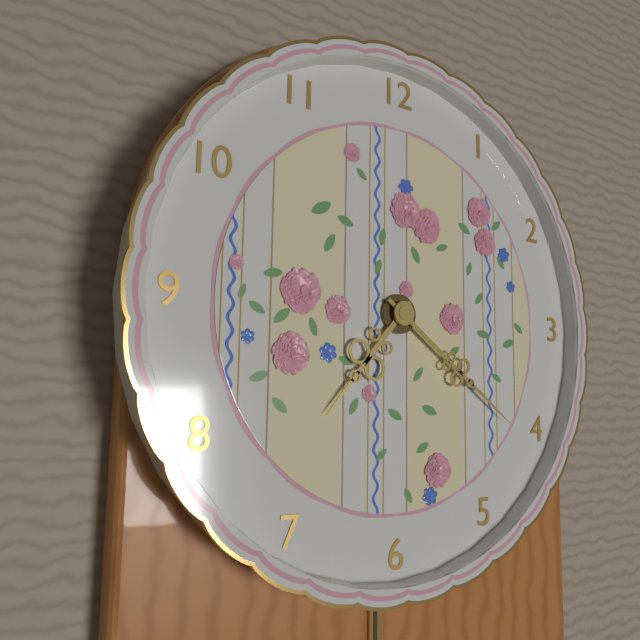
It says 7 h 21 min
